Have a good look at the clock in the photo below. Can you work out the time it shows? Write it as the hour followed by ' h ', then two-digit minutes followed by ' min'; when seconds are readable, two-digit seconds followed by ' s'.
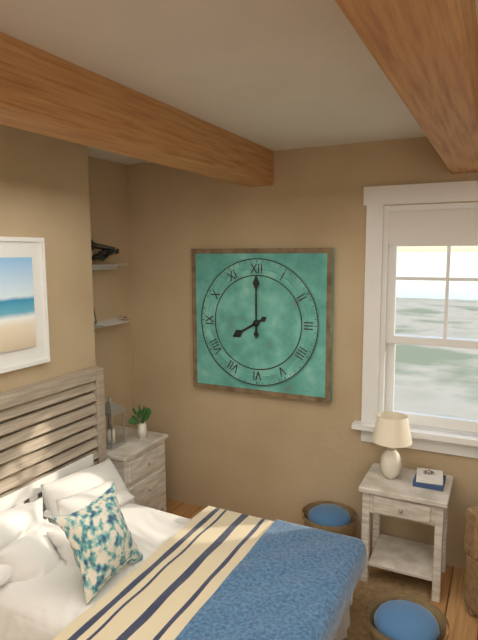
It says 8 h 00 min
